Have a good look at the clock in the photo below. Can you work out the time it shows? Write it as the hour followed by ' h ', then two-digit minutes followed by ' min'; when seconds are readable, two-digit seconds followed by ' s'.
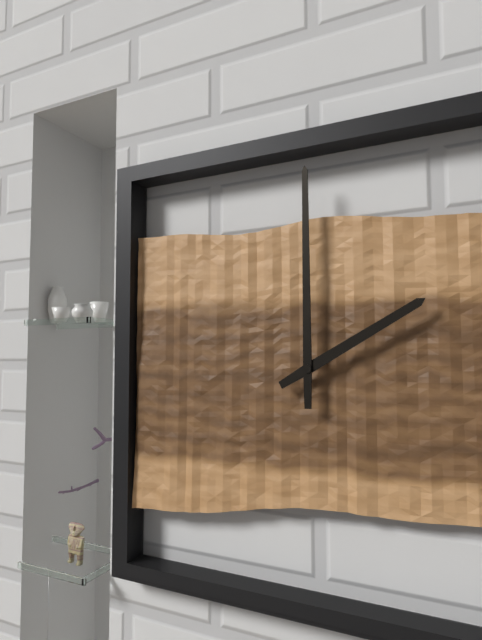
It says 2 h 00 min
